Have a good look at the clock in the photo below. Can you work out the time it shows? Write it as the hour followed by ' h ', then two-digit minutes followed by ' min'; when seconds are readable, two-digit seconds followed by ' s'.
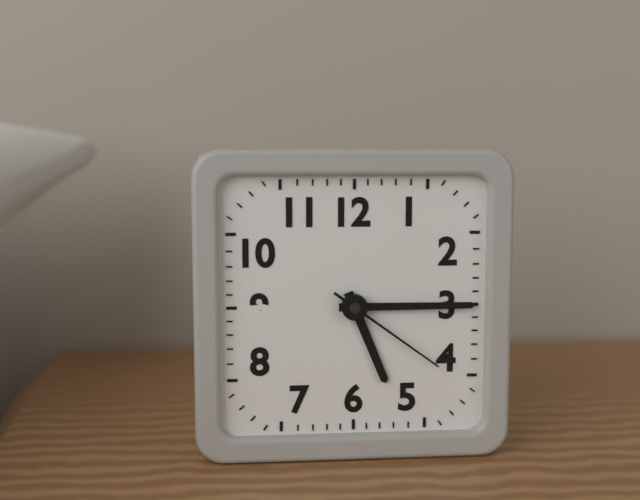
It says 5 h 15 min 21 s
